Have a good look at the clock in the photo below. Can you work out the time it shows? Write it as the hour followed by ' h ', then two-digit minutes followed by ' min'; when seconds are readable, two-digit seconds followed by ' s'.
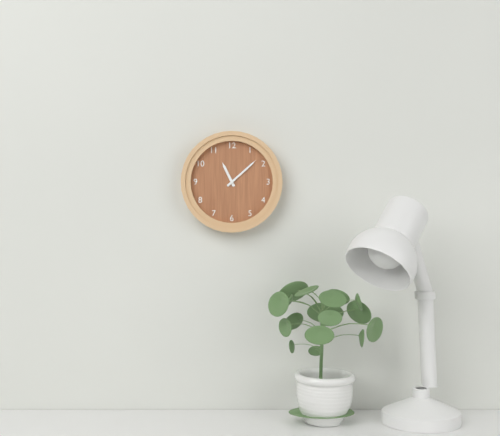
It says 11 h 08 min
